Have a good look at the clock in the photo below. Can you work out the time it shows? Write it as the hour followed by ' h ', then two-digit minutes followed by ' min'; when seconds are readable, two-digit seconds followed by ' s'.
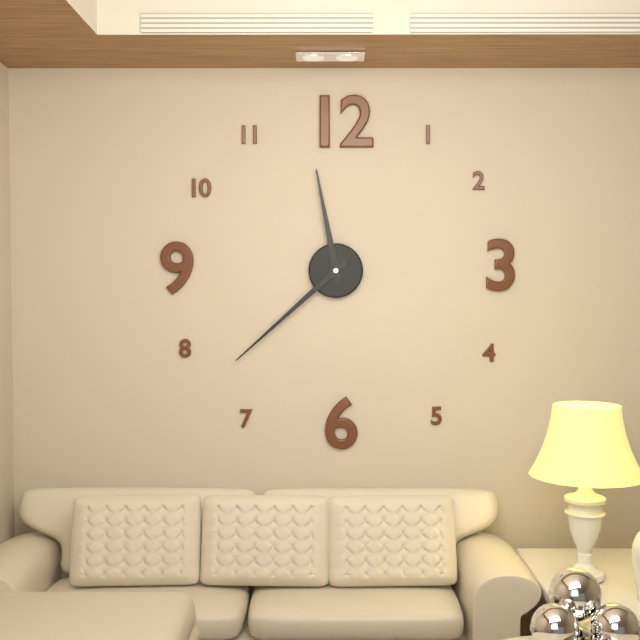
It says 11 h 38 min
